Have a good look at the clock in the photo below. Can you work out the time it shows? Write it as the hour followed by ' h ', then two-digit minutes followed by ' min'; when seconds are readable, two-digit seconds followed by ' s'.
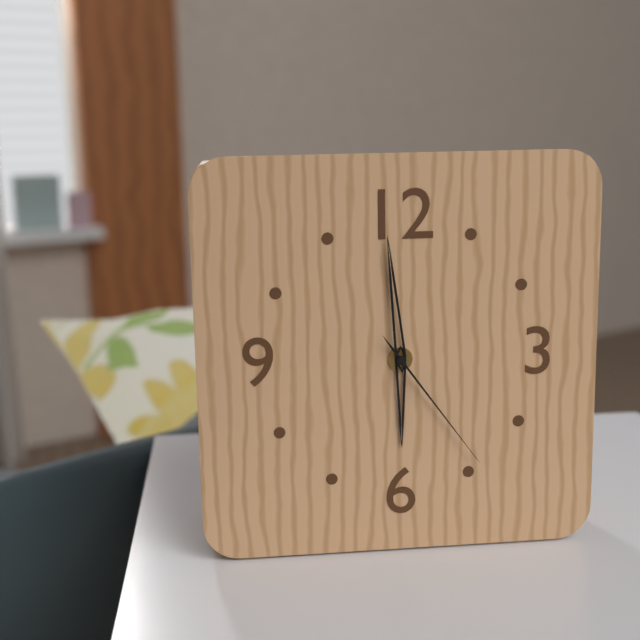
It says 5 h 59 min 24 s
